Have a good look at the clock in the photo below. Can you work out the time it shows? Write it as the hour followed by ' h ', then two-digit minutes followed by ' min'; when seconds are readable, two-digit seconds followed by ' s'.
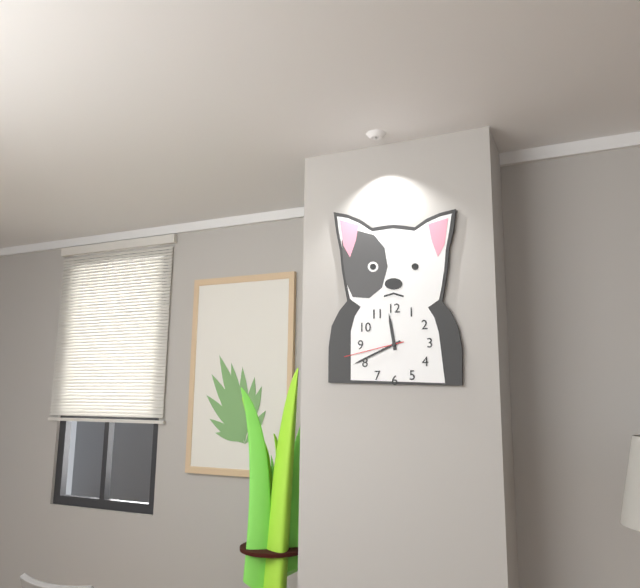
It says 11 h 41 min 43 s
